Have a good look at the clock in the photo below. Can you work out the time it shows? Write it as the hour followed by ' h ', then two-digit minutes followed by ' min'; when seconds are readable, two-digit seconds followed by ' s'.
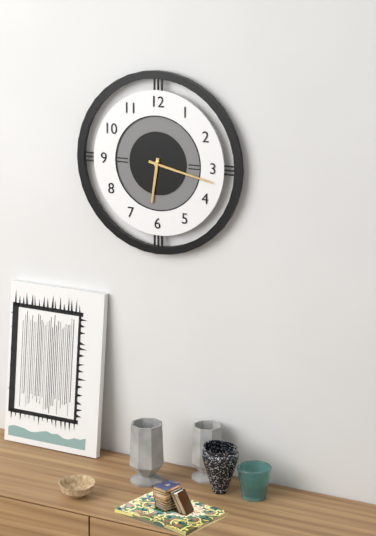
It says 6 h 17 min
